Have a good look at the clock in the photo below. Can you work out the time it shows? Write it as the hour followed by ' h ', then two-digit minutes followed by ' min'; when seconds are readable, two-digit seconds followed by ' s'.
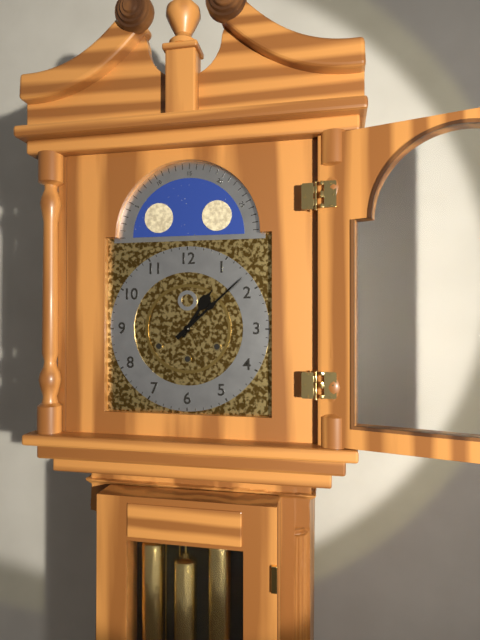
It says 1 h 08 min
